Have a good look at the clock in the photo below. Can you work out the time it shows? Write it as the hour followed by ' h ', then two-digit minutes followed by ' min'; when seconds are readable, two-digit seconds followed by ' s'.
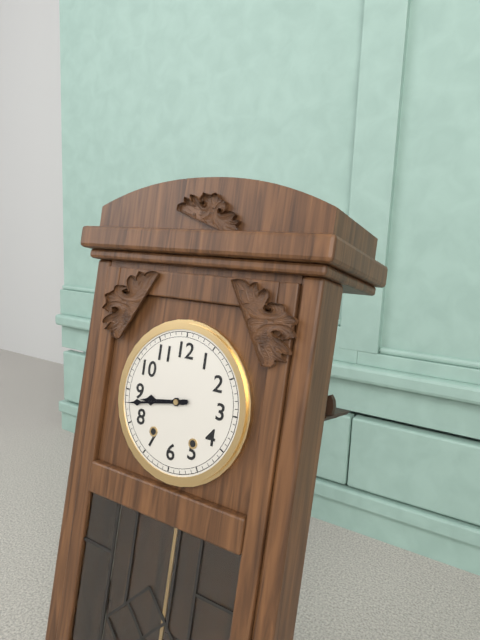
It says 8 h 43 min
